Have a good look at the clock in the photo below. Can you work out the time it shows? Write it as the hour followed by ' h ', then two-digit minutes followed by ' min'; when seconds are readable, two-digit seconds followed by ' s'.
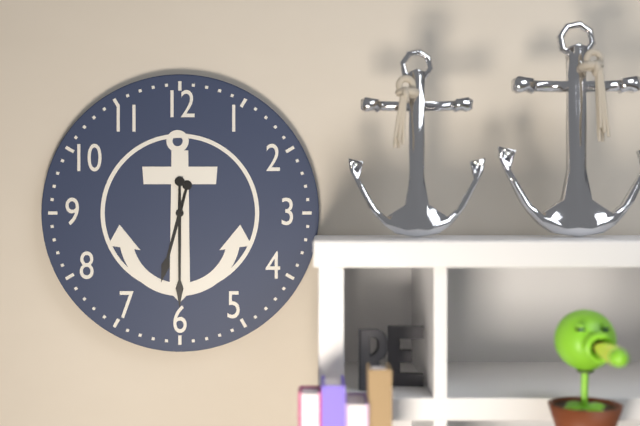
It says 6 h 30 min
